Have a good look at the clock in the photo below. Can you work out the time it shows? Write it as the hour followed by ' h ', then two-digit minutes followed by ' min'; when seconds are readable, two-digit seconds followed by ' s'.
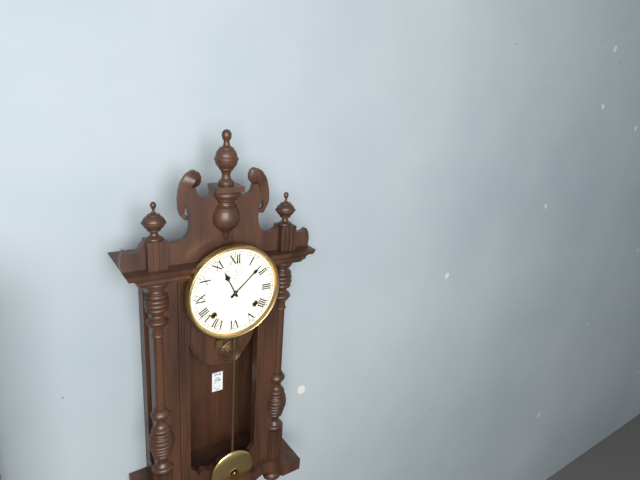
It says 11 h 08 min
